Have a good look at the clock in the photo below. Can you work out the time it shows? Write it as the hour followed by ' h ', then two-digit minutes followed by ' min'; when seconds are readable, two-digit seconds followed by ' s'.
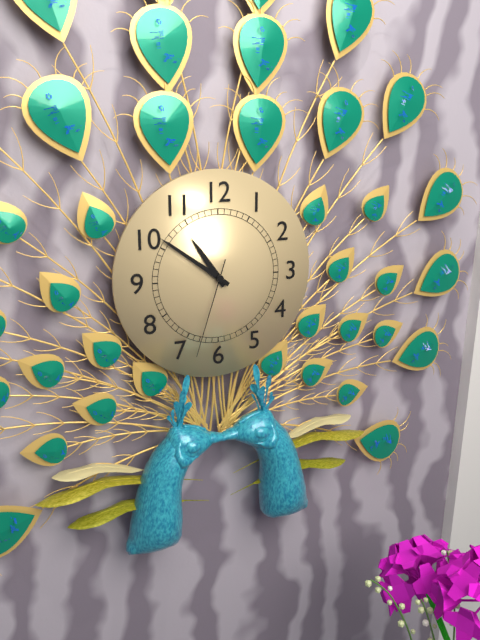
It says 10 h 51 min 33 s
